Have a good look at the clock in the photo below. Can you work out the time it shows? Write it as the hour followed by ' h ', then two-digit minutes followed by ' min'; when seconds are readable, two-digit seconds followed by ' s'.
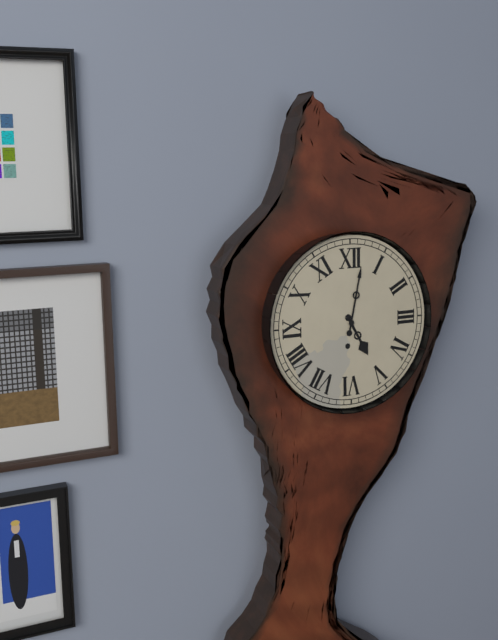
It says 5 h 02 min
